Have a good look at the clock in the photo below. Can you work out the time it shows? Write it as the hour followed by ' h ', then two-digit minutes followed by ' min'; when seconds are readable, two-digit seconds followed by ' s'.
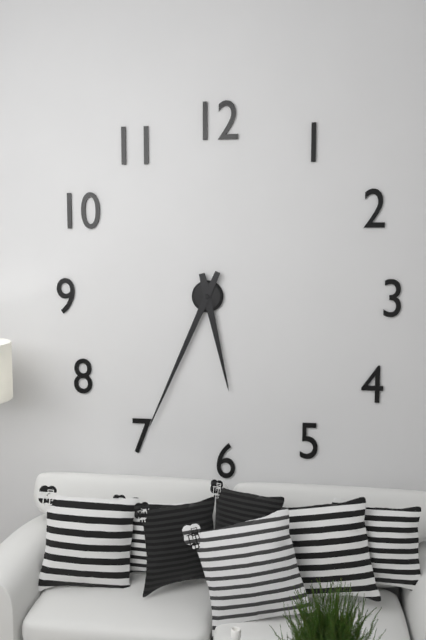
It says 5 h 34 min
